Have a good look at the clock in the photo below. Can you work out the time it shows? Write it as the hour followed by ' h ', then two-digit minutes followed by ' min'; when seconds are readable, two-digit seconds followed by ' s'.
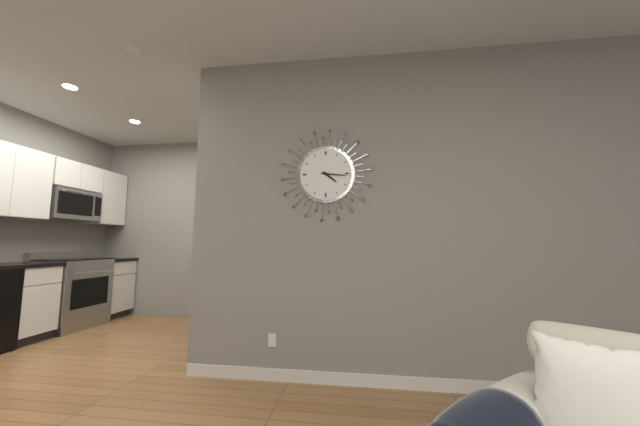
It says 4 h 16 min
